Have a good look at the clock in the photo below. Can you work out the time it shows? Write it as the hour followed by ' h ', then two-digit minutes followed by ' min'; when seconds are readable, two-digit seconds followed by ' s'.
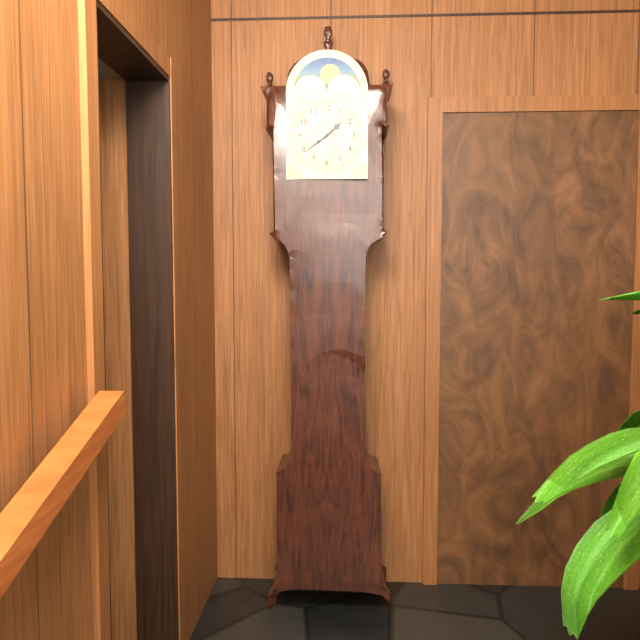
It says 1 h 39 min
